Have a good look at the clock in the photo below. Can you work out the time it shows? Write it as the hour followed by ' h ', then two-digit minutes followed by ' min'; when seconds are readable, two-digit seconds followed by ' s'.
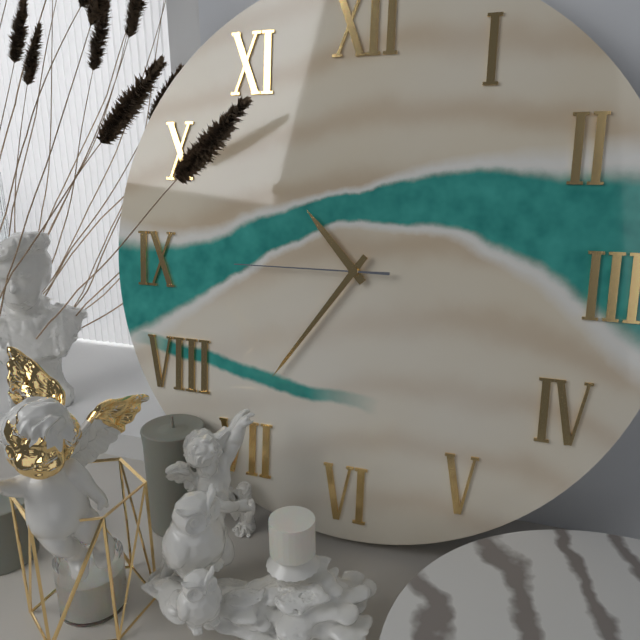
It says 10 h 36 min 45 s
